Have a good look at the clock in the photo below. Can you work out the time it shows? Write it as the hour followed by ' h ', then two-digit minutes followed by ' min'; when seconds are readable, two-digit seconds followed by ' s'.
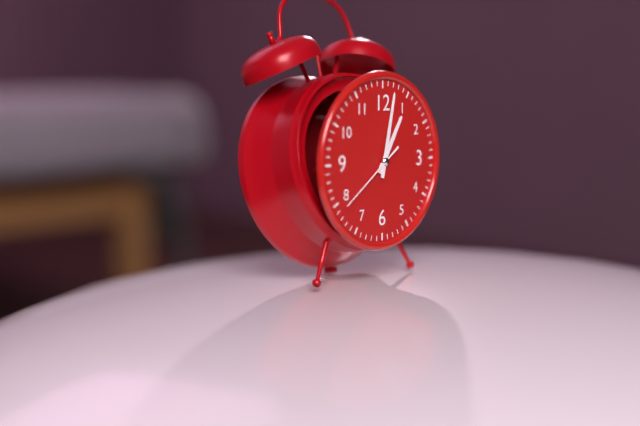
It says 1 h 02 min 39 s
